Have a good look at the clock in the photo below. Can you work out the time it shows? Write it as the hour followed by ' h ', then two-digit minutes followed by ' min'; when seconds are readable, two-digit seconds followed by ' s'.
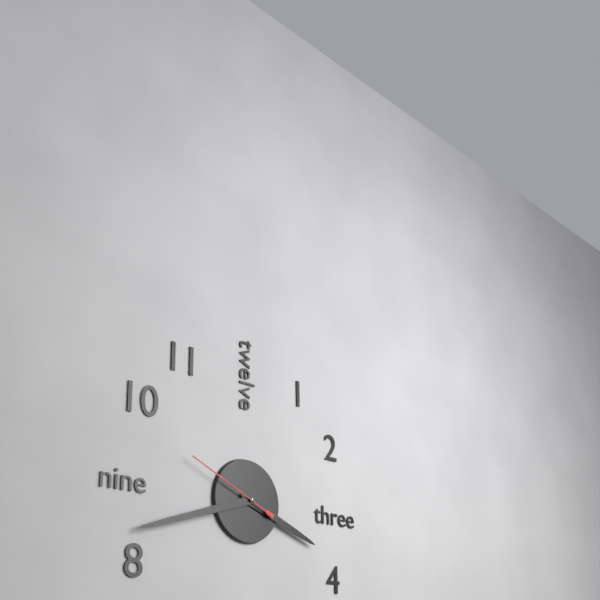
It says 3 h 42 min 49 s
